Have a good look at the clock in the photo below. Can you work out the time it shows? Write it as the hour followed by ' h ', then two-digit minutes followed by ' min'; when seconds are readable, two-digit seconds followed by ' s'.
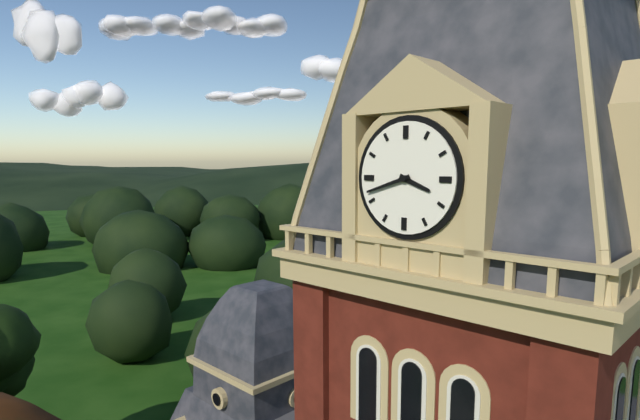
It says 3 h 42 min
